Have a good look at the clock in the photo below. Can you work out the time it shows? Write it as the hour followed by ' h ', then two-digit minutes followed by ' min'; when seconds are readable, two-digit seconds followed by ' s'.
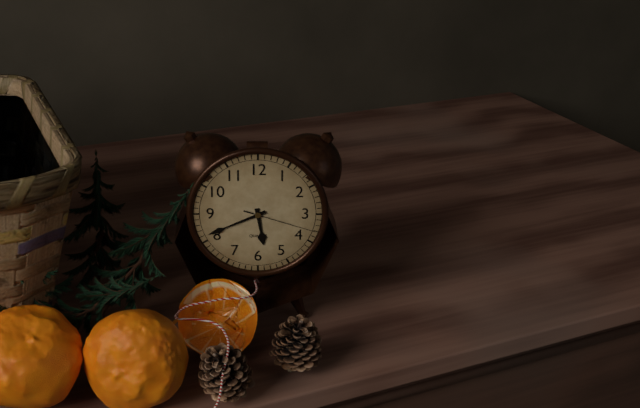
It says 5 h 41 min 18 s
